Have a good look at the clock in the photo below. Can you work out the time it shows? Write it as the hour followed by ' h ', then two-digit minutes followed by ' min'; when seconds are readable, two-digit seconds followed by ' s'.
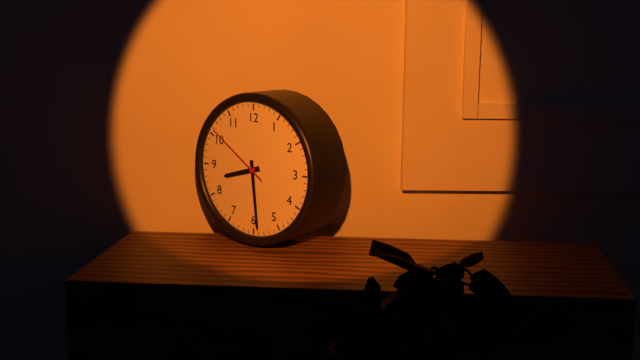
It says 8 h 29 min 51 s
